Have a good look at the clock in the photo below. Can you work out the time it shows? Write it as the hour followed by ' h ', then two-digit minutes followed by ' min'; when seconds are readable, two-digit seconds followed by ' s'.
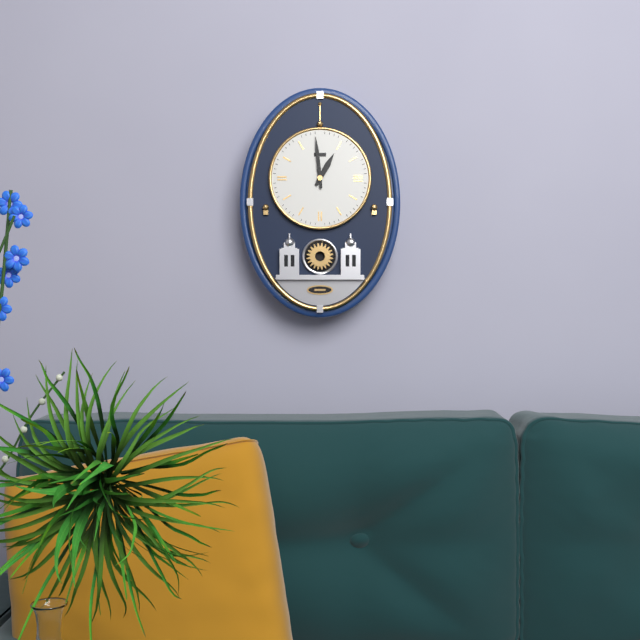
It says 12 h 59 min
